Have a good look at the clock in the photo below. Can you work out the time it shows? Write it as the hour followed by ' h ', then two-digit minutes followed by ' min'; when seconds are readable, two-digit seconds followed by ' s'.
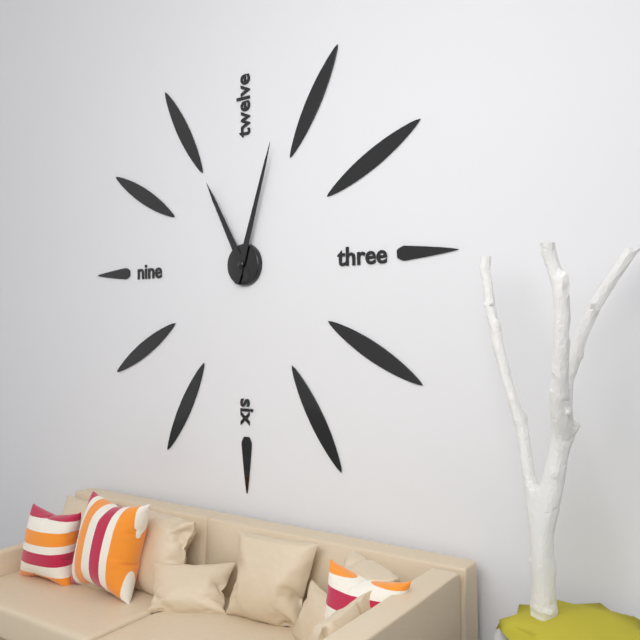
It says 11 h 03 min
